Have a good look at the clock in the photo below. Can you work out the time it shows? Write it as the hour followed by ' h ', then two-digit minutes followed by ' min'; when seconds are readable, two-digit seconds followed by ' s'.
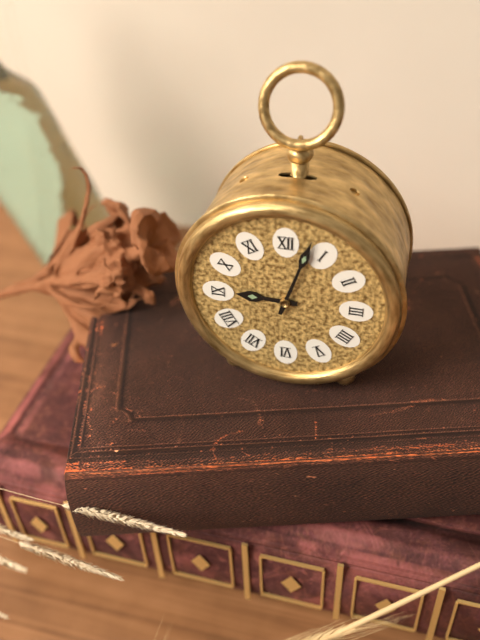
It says 9 h 03 min
